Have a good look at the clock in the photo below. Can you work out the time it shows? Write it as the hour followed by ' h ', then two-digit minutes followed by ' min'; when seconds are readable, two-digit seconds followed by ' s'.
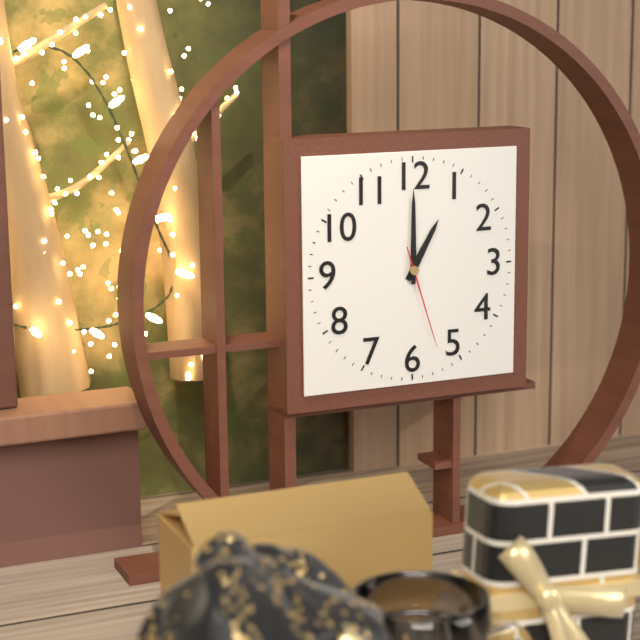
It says 1 h 00 min 27 s
